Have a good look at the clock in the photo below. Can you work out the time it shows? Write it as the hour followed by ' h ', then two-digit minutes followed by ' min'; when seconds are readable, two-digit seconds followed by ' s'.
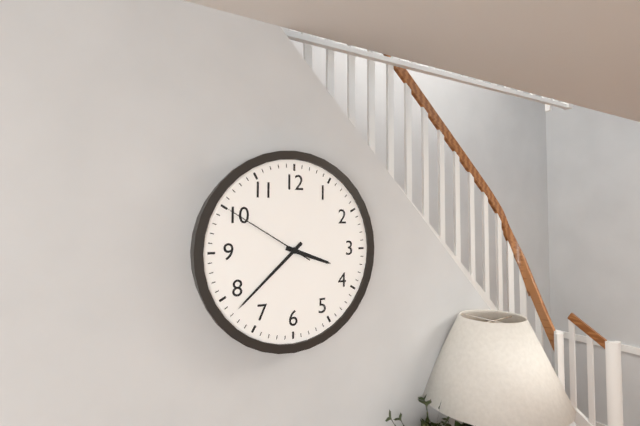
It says 3 h 38 min 50 s
